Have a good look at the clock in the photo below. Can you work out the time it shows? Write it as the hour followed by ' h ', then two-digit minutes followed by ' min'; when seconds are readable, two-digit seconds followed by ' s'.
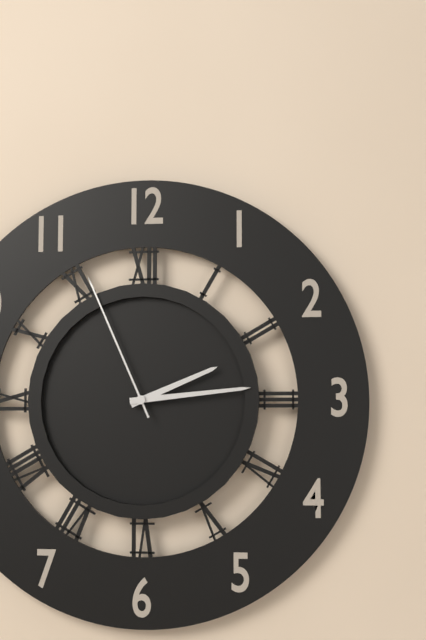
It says 2 h 14 min 56 s
